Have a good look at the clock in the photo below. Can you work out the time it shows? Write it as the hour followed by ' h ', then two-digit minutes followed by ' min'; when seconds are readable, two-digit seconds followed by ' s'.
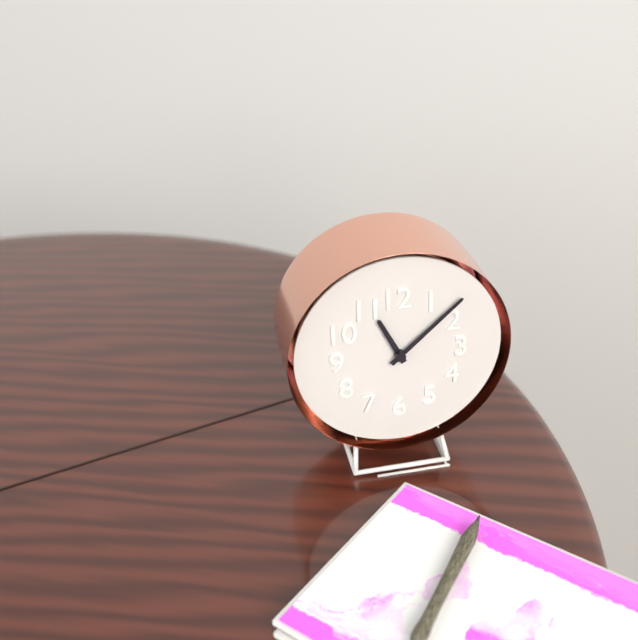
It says 11 h 08 min
